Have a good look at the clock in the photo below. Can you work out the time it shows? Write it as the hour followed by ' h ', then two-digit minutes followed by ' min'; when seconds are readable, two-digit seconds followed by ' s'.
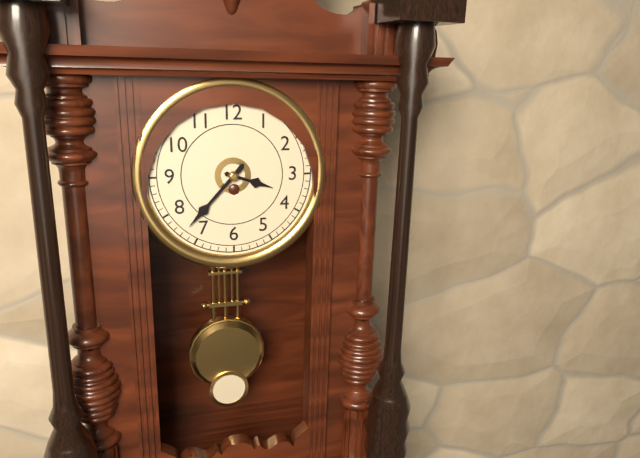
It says 3 h 37 min
